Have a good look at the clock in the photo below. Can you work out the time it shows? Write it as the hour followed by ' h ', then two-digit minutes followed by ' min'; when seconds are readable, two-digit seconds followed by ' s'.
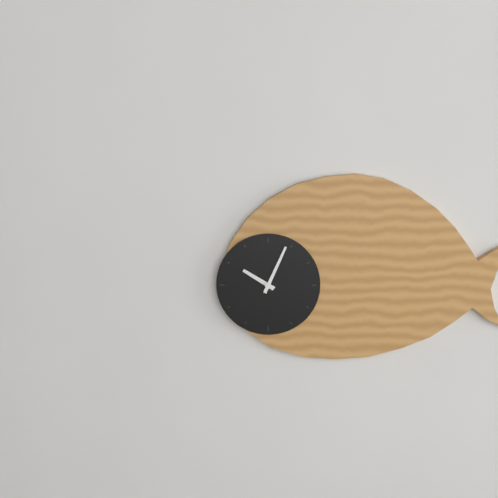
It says 10 h 04 min
